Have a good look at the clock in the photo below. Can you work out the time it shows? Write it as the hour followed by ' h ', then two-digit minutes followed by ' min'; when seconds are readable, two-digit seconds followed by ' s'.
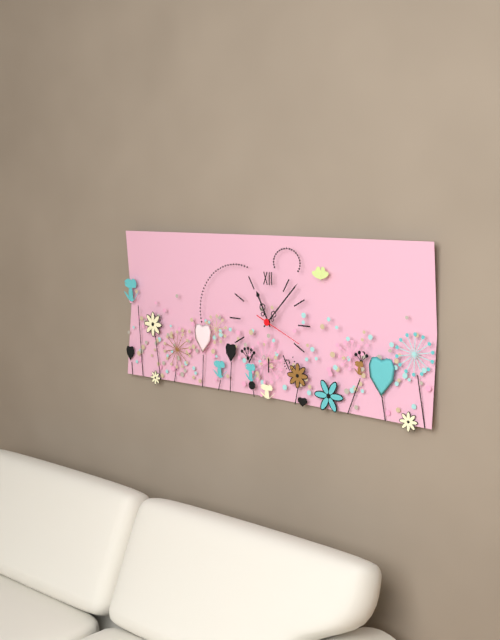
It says 11 h 07 min
